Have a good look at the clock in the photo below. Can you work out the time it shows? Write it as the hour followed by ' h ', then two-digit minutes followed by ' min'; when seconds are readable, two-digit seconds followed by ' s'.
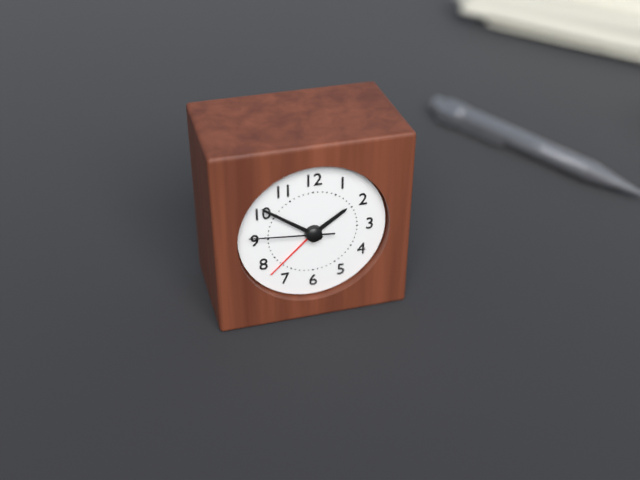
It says 1 h 51 min 46 s
